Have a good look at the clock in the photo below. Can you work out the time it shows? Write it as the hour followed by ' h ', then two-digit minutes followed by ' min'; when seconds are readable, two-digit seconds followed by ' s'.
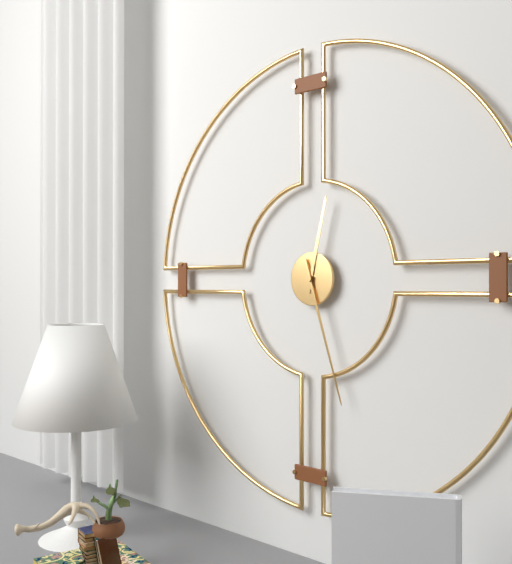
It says 12 h 27 min
